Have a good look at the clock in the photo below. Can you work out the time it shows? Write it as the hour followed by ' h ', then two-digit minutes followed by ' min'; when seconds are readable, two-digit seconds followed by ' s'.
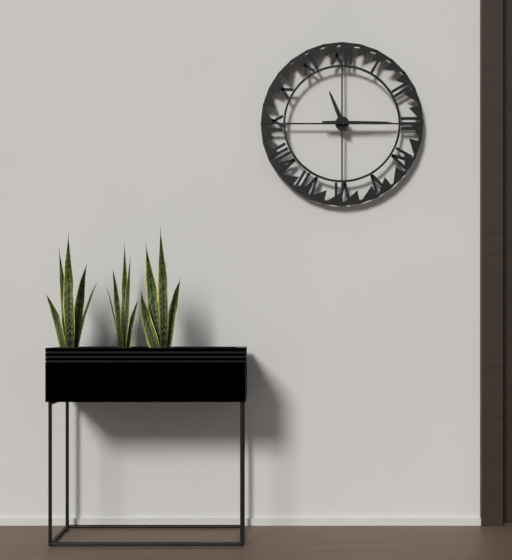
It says 11 h 15 min
